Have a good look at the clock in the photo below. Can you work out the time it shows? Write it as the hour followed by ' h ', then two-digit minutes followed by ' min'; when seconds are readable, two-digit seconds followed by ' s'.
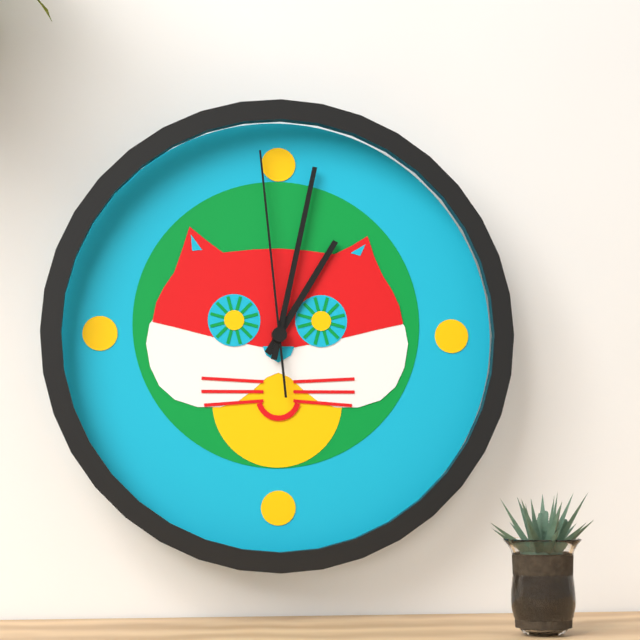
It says 1 h 02 min 59 s
